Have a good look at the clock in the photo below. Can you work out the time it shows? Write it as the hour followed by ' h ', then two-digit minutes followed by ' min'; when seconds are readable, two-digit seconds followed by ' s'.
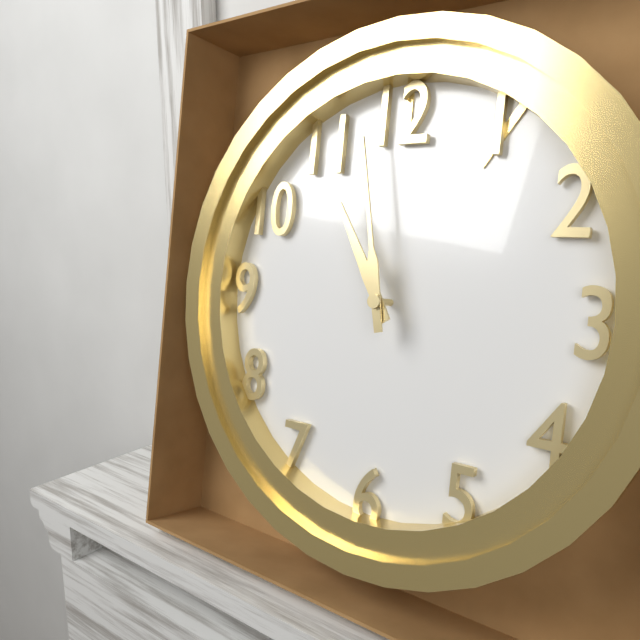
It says 10 h 58 min
